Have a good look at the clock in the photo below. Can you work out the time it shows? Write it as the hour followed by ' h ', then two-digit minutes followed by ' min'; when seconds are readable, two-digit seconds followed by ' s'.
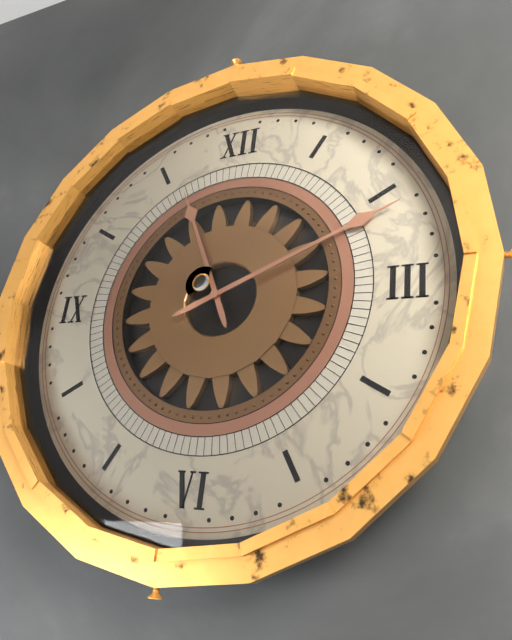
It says 11 h 11 min
